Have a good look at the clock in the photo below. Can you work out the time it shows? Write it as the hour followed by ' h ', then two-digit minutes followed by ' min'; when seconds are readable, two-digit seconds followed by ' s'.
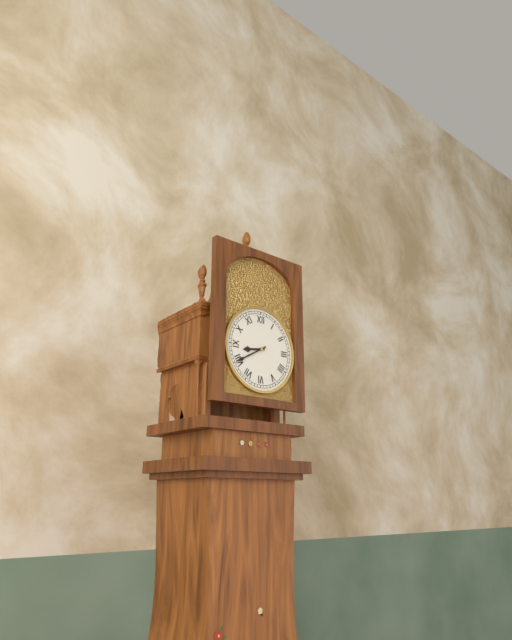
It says 8 h 40 min
